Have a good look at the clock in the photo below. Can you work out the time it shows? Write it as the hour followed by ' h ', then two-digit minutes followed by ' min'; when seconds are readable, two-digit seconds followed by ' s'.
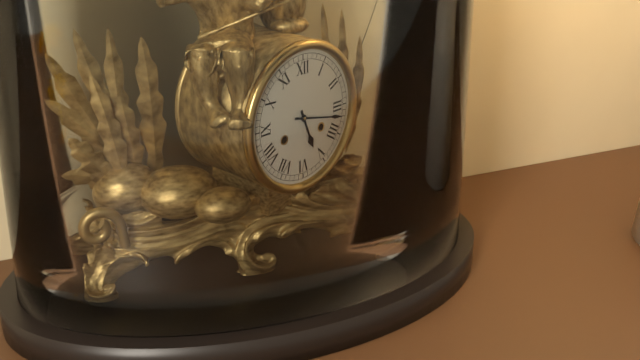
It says 5 h 17 min
